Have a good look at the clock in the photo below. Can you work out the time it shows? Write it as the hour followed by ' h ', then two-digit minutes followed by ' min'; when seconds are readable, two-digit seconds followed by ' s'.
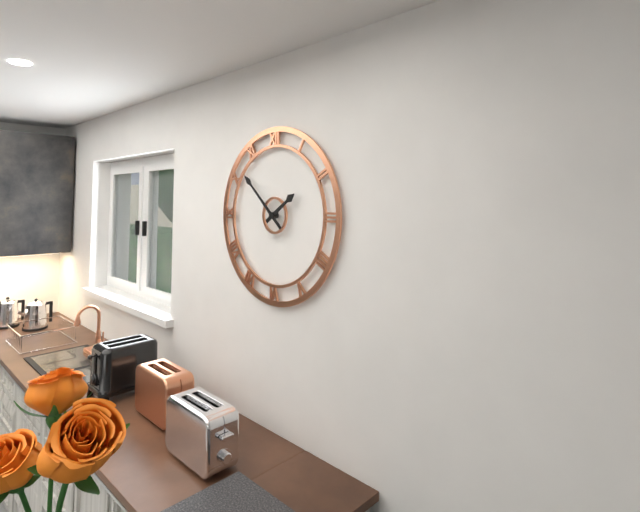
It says 1 h 52 min
